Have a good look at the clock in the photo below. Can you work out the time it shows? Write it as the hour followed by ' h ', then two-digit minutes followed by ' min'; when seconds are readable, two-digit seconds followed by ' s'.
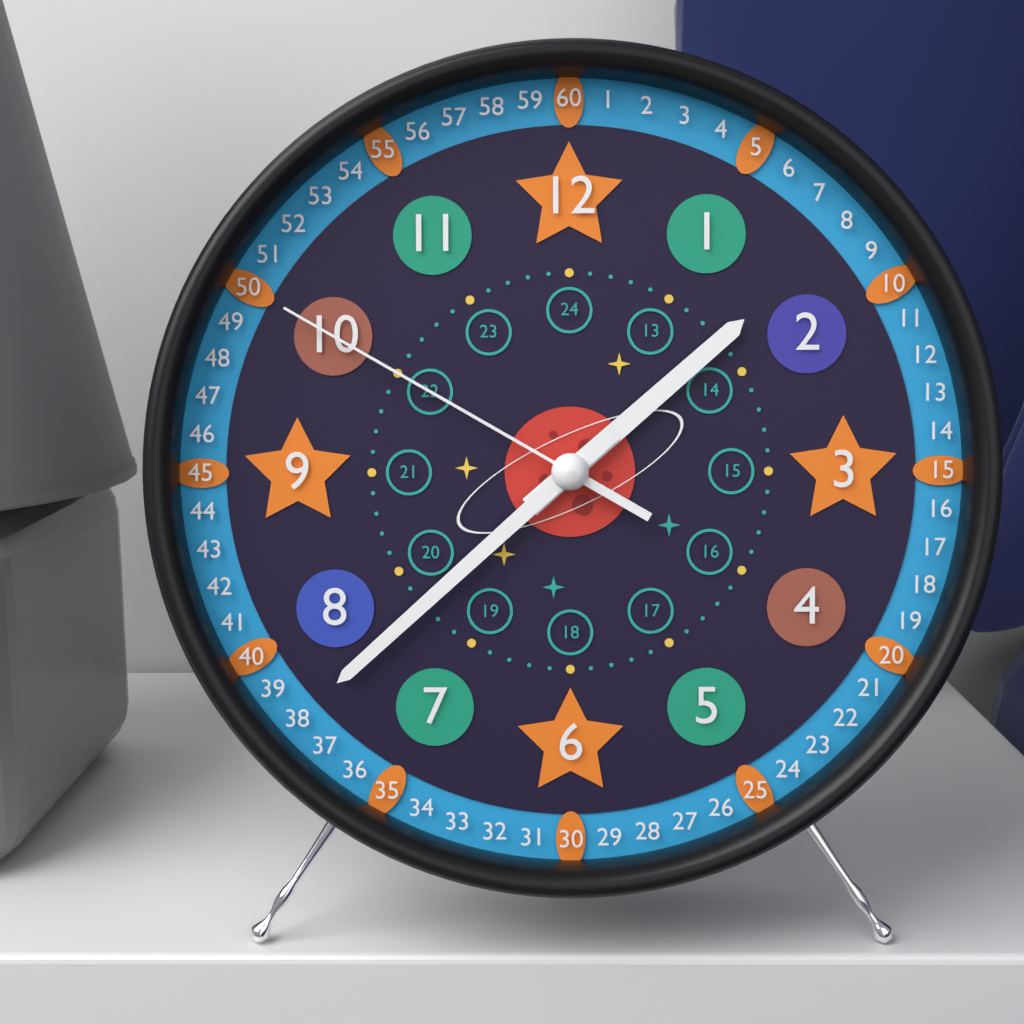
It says 1 h 38 min 50 s
